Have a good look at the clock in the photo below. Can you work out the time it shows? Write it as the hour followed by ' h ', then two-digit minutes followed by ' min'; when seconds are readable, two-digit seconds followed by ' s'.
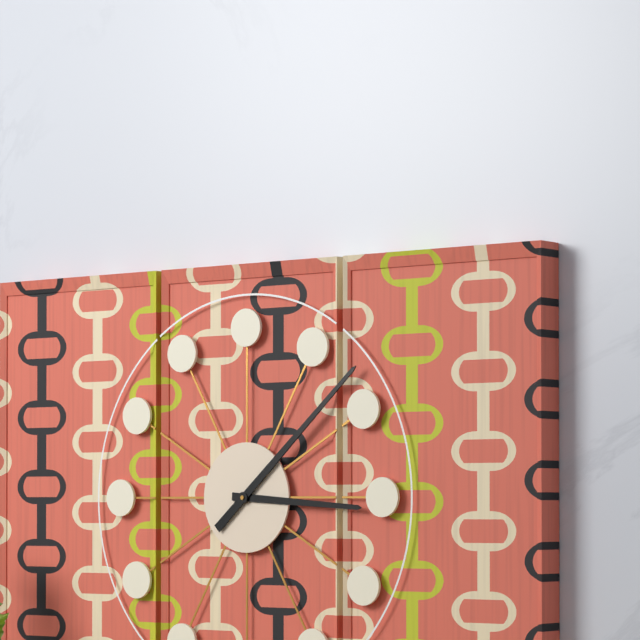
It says 3 h 08 min
